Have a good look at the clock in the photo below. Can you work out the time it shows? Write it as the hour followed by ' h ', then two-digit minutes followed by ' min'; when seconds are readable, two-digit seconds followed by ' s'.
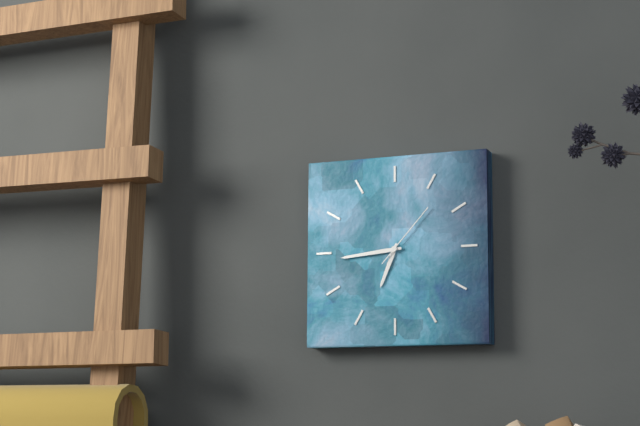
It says 6 h 44 min 07 s
